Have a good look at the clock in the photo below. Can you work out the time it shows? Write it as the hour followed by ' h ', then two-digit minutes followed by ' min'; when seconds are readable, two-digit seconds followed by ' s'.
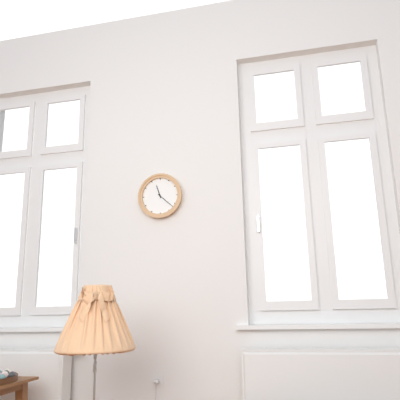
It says 11 h 22 min
